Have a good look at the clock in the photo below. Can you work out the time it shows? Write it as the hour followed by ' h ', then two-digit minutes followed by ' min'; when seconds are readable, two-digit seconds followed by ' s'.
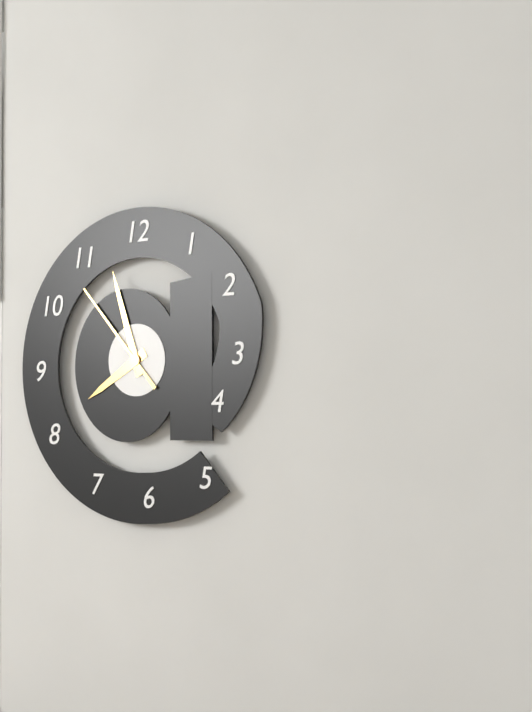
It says 7 h 57 min 53 s
